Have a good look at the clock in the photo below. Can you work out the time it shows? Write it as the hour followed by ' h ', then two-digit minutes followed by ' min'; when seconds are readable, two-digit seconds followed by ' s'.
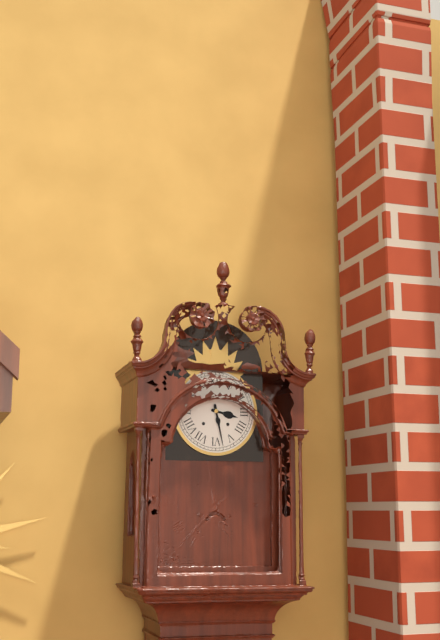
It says 3 h 28 min
